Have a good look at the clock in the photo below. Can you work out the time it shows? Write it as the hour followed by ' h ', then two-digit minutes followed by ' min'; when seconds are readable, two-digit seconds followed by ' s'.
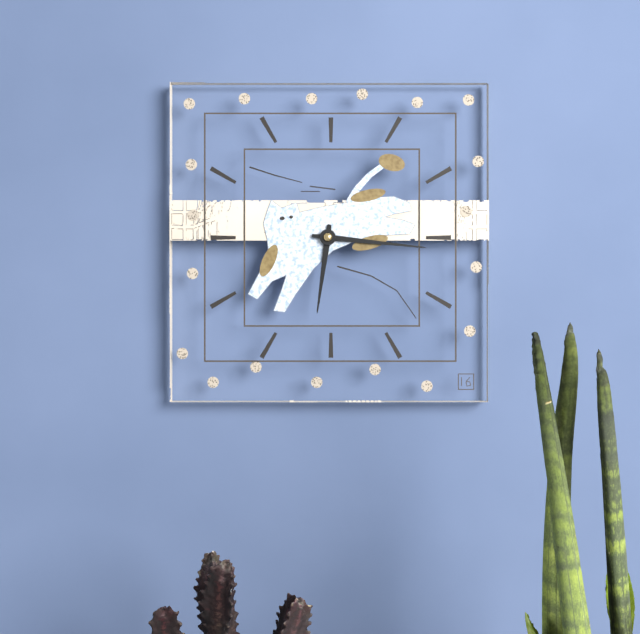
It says 6 h 16 min
